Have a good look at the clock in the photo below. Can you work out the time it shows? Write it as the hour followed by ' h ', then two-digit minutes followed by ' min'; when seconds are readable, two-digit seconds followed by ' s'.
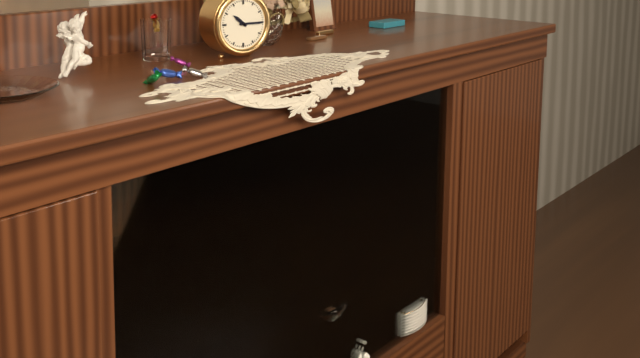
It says 10 h 15 min
